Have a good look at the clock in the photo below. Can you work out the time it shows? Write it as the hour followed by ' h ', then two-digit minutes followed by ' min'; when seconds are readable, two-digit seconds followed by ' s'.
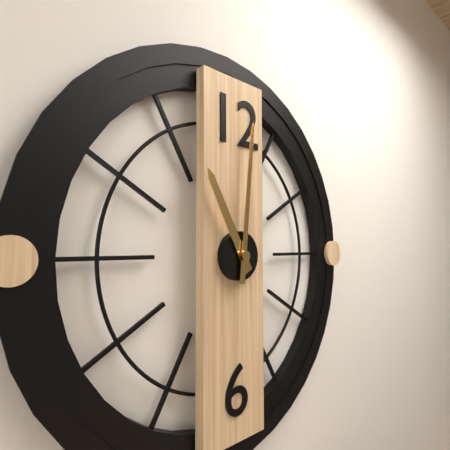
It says 11 h 01 min
